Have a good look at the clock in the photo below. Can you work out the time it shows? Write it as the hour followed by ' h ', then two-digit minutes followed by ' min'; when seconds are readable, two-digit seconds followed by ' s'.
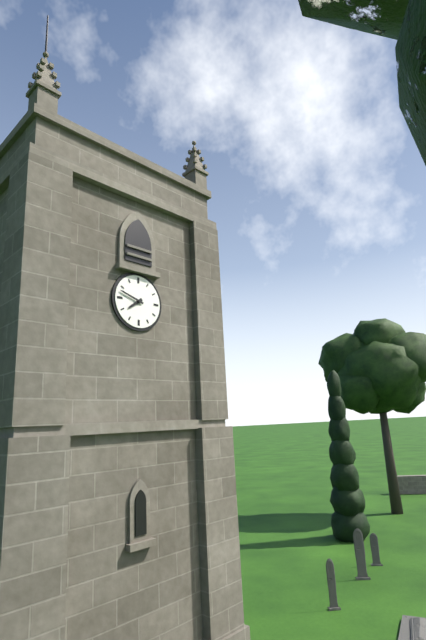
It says 7 h 48 min
